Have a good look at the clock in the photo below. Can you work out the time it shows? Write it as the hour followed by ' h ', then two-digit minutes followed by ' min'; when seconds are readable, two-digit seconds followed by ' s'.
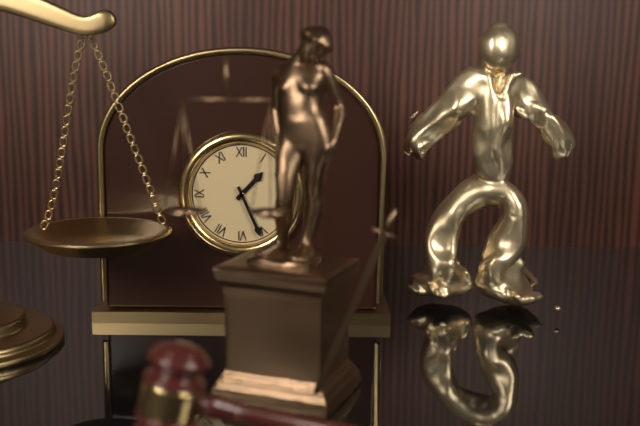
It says 1 h 26 min
